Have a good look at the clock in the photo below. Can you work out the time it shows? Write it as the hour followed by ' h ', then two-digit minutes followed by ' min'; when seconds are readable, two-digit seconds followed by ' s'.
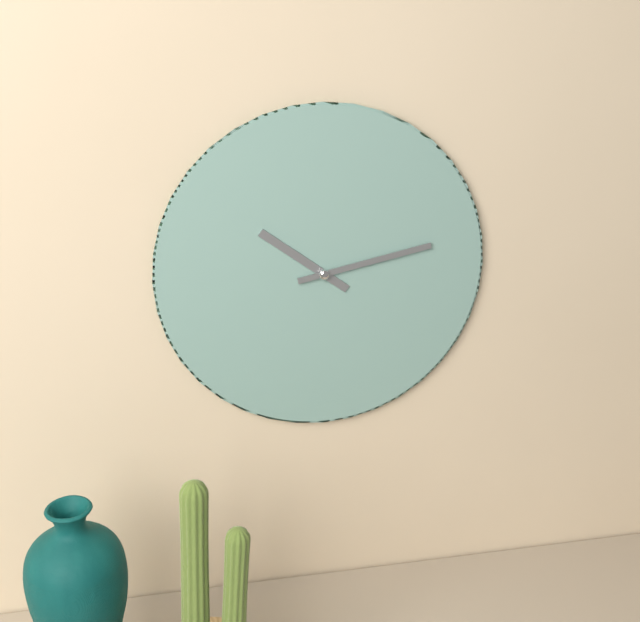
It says 10 h 13 min
